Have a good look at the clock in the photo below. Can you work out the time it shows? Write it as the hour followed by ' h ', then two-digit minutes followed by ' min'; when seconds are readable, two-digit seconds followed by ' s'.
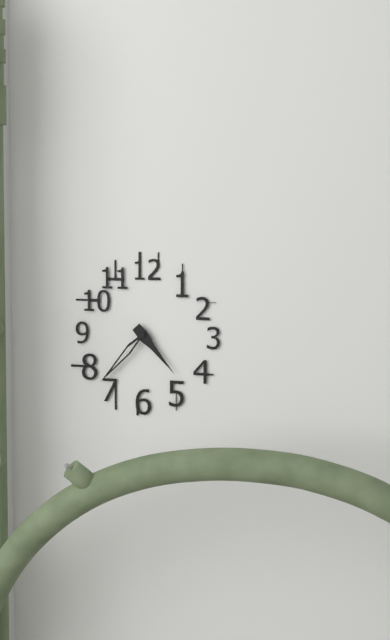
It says 4 h 37 min
